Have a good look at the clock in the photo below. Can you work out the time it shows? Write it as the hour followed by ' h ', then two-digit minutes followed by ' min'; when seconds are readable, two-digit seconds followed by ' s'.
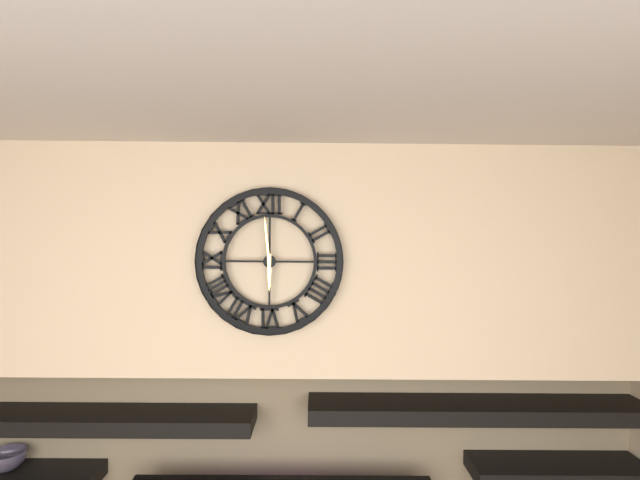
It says 5 h 59 min
